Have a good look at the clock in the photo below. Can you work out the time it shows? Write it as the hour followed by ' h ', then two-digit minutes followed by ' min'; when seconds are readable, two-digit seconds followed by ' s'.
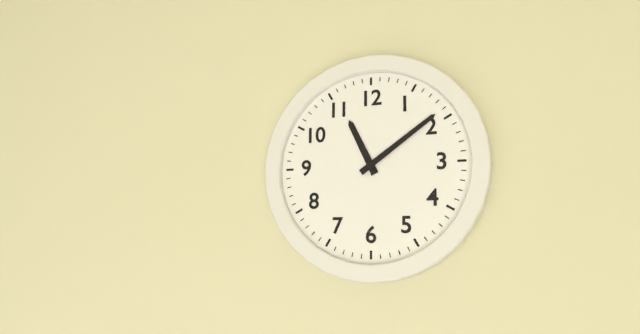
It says 11 h 09 min
